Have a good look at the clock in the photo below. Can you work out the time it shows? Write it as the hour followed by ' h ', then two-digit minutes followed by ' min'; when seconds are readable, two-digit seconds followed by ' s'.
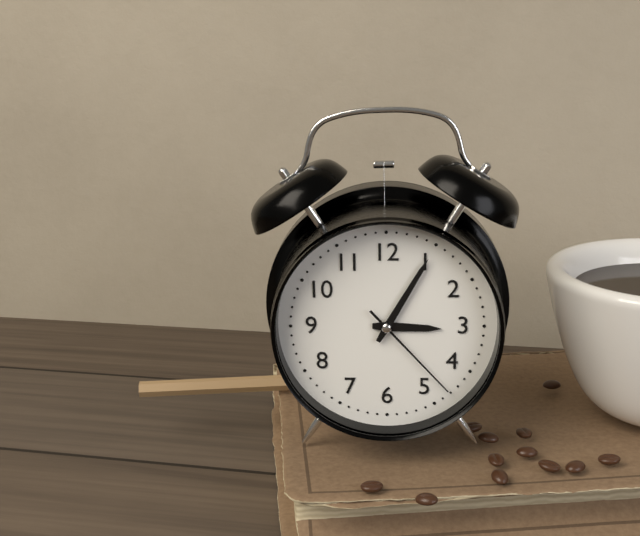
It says 3 h 05 min 23 s
